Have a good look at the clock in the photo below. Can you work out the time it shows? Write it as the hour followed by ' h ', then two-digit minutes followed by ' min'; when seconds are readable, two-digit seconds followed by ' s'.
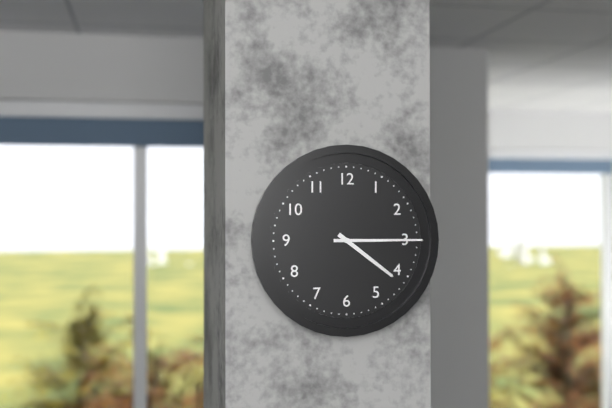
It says 4 h 15 min
